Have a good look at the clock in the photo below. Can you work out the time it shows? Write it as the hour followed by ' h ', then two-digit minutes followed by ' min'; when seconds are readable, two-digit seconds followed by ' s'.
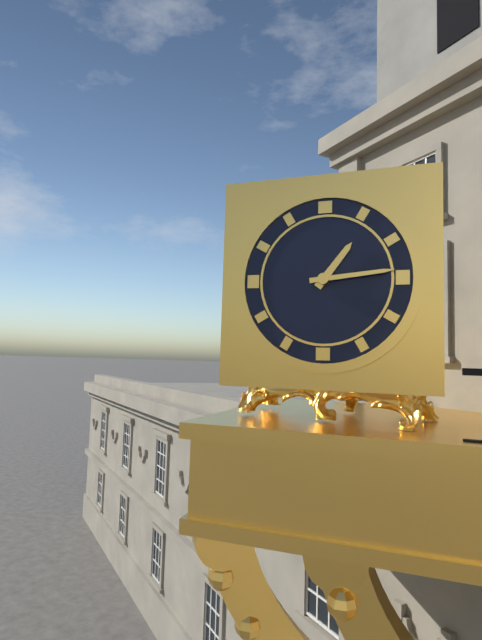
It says 1 h 14 min
